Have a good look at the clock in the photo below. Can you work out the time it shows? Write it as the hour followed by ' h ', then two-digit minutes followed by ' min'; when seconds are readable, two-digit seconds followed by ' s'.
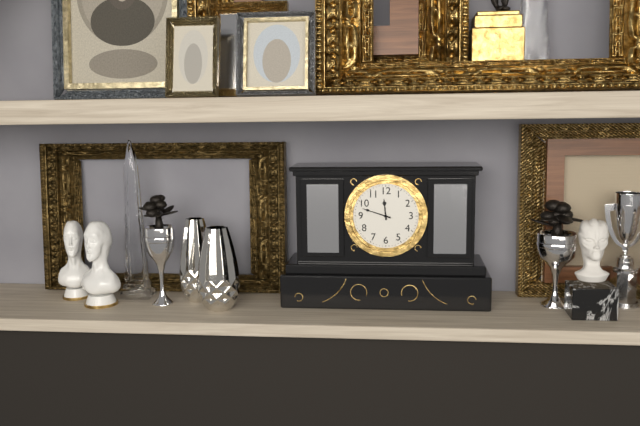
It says 11 h 48 min
